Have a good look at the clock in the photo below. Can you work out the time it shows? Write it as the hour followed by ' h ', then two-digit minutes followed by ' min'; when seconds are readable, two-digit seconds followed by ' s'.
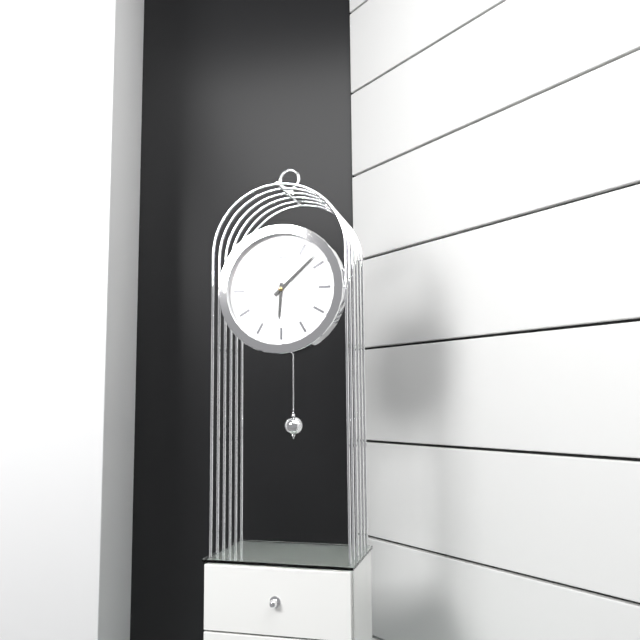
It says 6 h 08 min
